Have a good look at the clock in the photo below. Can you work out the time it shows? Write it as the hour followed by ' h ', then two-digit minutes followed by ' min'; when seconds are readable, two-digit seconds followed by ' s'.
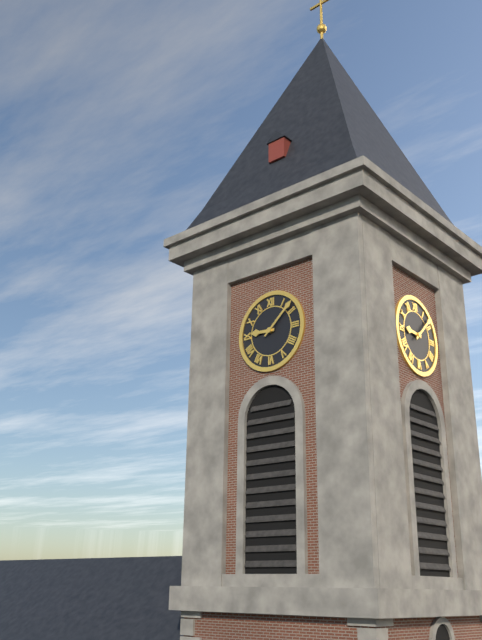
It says 9 h 08 min
